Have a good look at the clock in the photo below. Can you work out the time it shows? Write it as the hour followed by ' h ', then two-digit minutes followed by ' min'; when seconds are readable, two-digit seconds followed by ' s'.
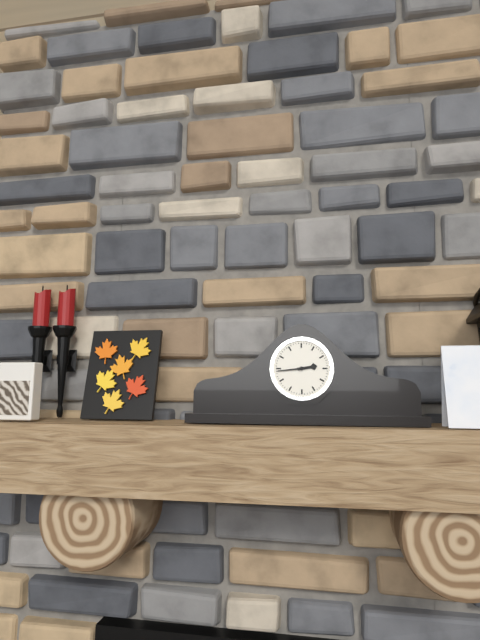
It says 2 h 44 min
